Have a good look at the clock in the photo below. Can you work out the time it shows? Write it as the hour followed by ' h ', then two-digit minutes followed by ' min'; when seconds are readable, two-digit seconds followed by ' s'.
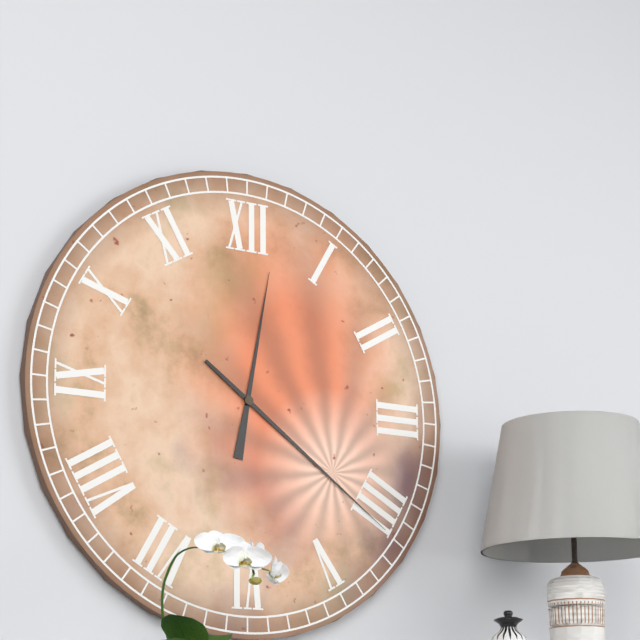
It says 12 h 21 min
